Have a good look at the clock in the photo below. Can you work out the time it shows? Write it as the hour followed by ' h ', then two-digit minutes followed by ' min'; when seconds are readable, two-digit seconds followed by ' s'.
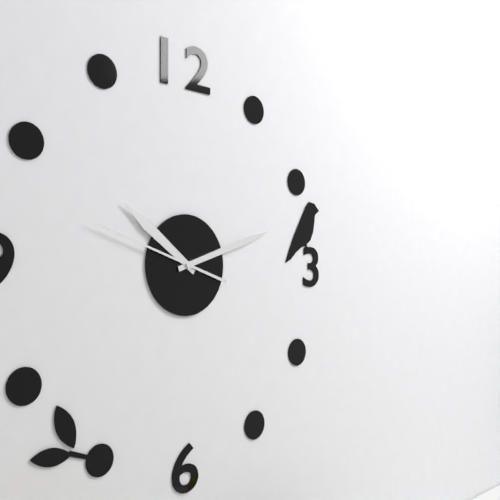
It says 10 h 12 min 48 s
